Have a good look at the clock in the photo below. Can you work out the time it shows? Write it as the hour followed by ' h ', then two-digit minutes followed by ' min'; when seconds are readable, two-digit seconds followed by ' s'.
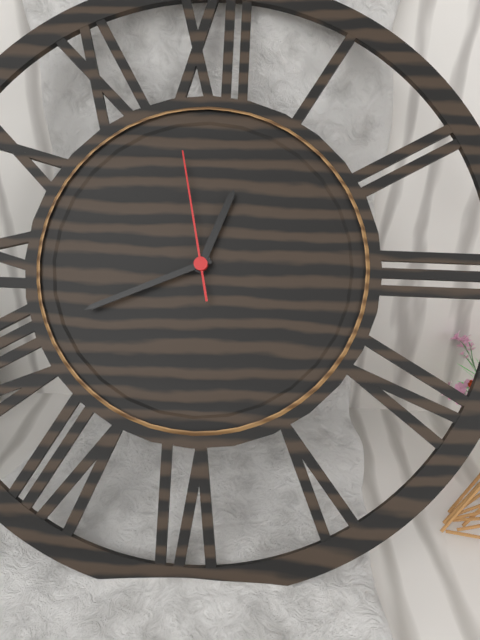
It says 12 h 41 min 58 s
